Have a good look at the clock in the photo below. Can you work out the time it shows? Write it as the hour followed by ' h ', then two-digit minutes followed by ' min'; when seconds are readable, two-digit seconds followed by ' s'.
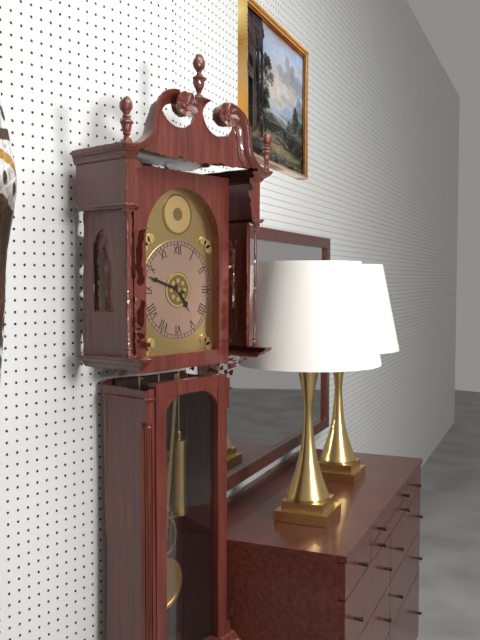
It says 4 h 48 min
